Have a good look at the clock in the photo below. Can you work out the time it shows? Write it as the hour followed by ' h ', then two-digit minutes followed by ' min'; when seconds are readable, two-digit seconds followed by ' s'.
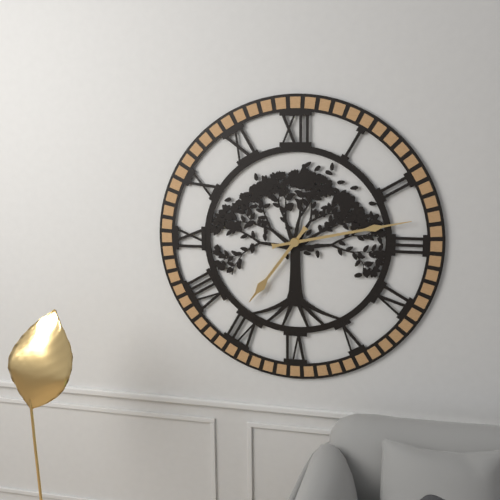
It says 7 h 13 min
